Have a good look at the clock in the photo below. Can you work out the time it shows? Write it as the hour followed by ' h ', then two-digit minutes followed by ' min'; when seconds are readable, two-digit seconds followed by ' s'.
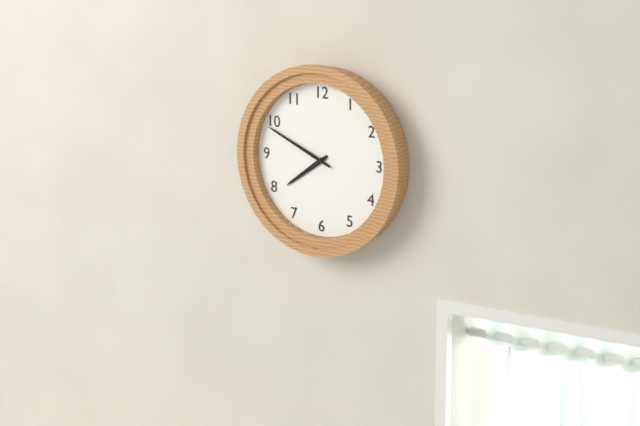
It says 7 h 49 min
